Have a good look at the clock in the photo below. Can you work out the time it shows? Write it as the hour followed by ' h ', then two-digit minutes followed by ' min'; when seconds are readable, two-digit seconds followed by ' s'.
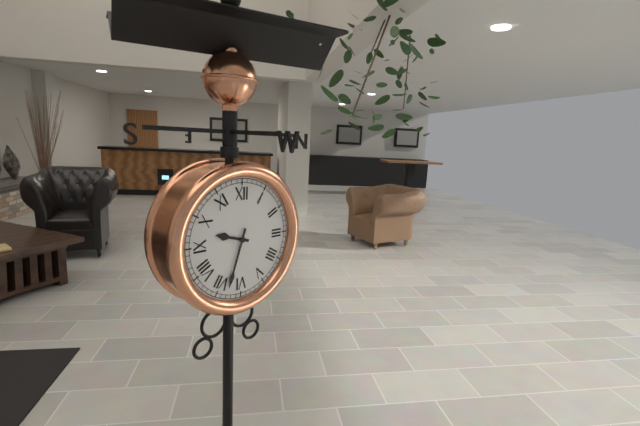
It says 9 h 33 min
